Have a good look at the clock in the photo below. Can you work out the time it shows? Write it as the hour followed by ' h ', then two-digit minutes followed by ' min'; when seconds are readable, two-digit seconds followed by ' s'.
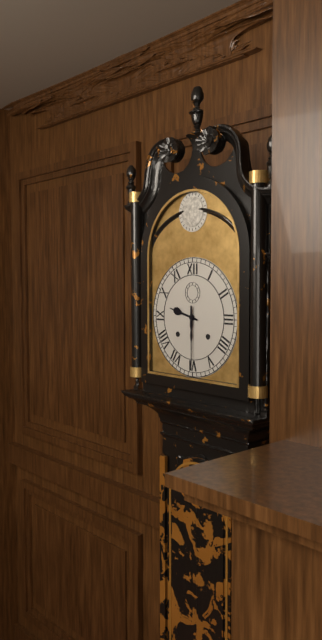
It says 9 h 30 min
